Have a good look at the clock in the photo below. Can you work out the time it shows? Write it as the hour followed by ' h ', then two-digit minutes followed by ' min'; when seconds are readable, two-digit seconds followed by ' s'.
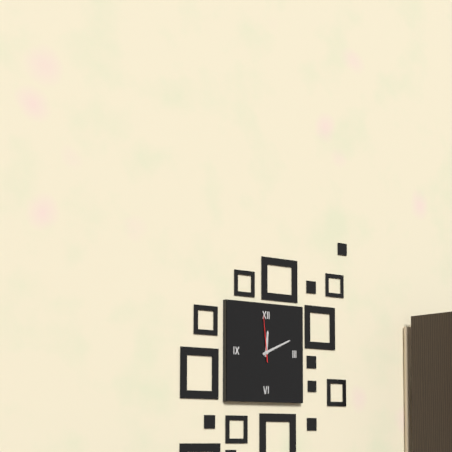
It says 12 h 11 min
